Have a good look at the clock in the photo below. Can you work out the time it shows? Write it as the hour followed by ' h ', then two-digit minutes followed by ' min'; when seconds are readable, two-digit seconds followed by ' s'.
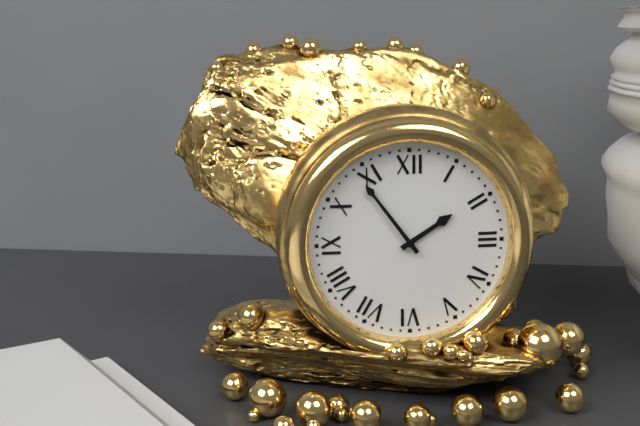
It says 1 h 54 min
